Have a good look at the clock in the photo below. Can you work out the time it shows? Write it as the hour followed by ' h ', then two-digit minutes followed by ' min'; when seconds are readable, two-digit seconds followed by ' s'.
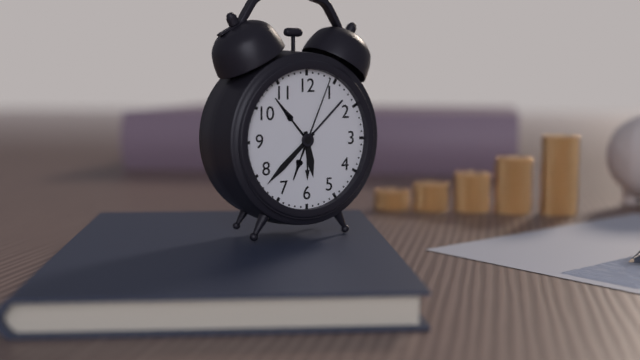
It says 5 h 38 min 04 s
